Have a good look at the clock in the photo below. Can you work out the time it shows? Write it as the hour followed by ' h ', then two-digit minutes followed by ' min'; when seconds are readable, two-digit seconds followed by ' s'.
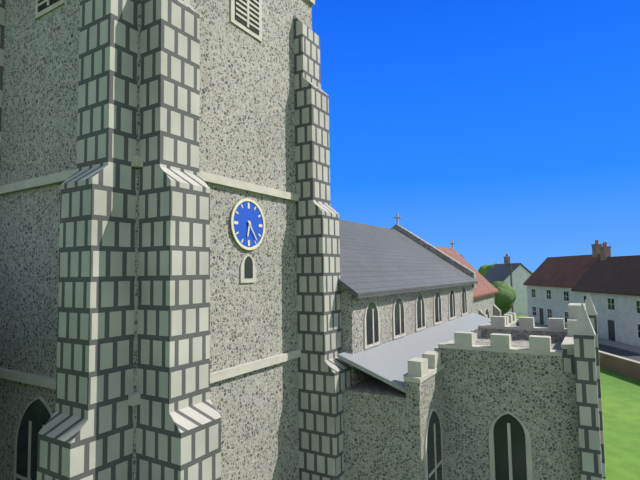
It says 6 h 24 min
